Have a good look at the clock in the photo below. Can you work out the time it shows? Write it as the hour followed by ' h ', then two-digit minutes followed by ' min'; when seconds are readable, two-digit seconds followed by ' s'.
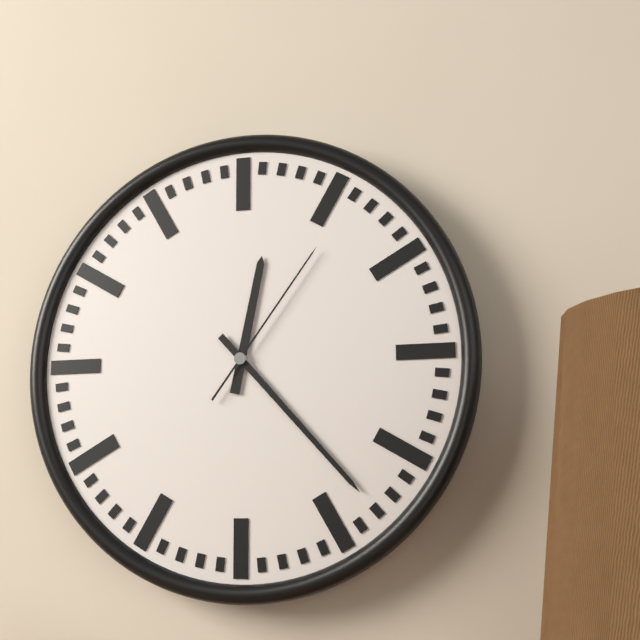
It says 12 h 23 min 06 s
